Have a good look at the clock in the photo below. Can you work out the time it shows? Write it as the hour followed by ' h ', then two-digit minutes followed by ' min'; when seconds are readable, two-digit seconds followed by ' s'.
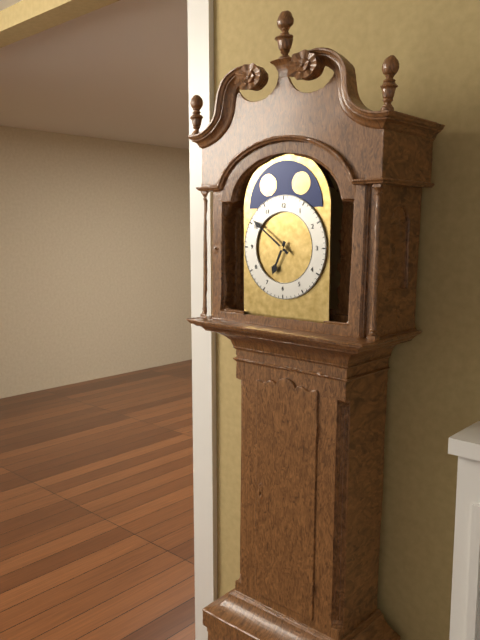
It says 6 h 51 min
